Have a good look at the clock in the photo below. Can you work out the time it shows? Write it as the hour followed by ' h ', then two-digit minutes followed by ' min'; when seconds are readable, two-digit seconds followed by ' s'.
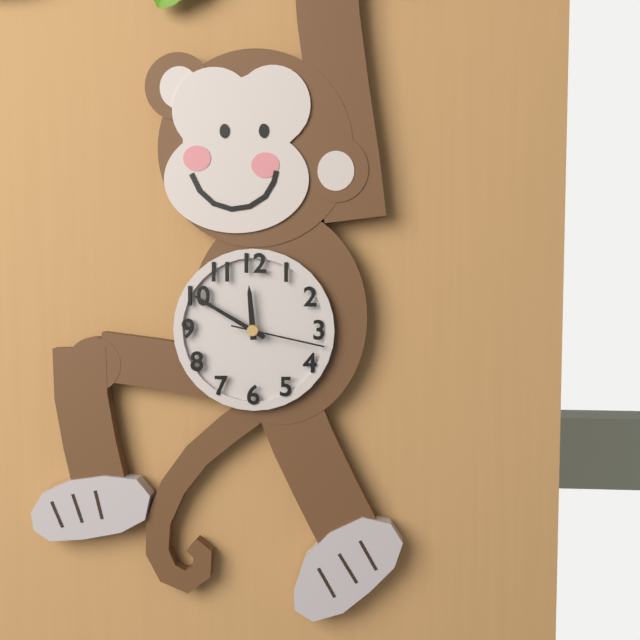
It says 11 h 50 min 17 s
